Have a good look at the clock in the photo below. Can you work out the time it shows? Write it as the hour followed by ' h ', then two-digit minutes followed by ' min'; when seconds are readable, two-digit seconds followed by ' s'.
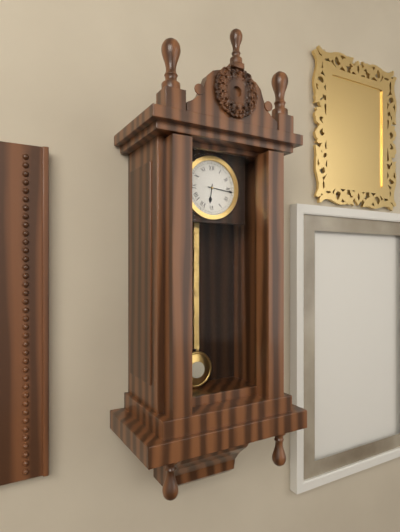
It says 6 h 16 min
